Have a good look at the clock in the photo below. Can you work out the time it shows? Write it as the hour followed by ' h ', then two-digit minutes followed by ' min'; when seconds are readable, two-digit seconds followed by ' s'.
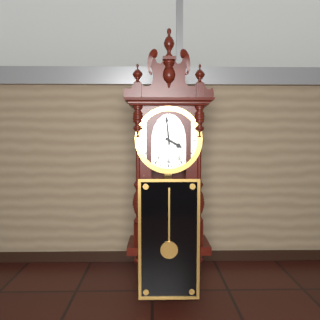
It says 3 h 59 min
